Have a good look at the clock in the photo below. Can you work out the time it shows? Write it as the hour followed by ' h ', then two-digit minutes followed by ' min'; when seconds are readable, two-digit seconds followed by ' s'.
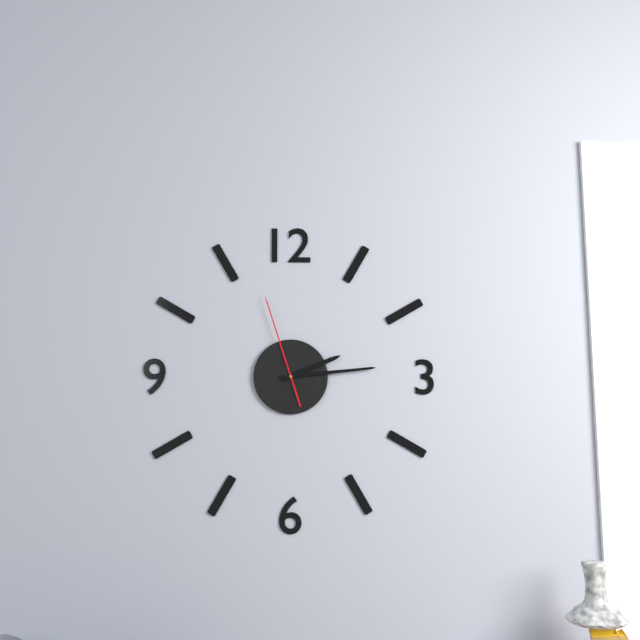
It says 2 h 14 min 57 s
